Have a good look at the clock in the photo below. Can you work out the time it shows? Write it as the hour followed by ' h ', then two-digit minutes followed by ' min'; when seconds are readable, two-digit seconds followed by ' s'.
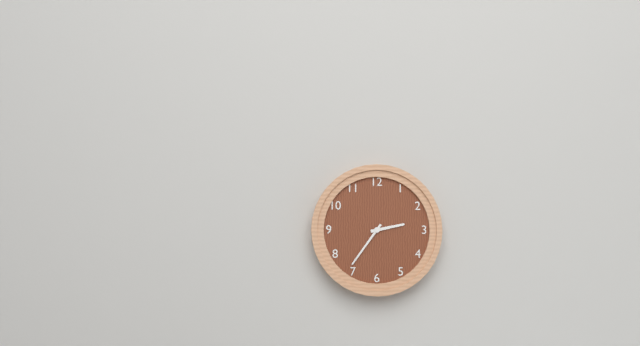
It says 2 h 36 min
